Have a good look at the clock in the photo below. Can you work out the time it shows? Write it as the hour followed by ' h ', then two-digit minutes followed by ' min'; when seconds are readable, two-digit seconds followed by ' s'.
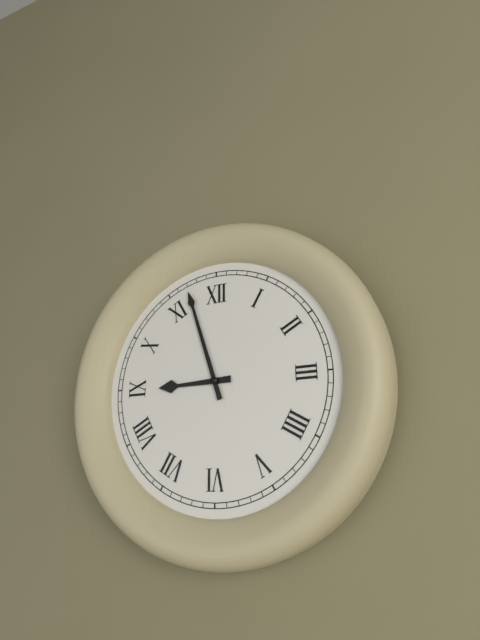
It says 8 h 57 min
